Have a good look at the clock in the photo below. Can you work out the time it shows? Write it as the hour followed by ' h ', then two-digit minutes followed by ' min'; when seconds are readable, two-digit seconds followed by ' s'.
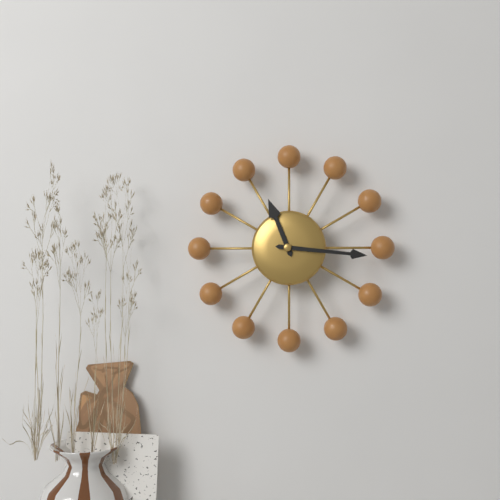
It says 11 h 16 min
